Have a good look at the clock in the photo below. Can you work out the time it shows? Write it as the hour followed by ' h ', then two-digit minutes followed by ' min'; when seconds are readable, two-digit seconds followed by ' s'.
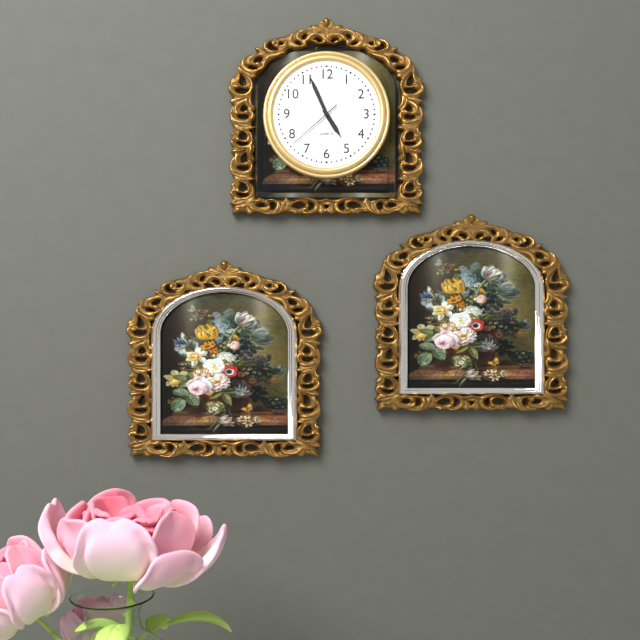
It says 4 h 56 min 38 s
